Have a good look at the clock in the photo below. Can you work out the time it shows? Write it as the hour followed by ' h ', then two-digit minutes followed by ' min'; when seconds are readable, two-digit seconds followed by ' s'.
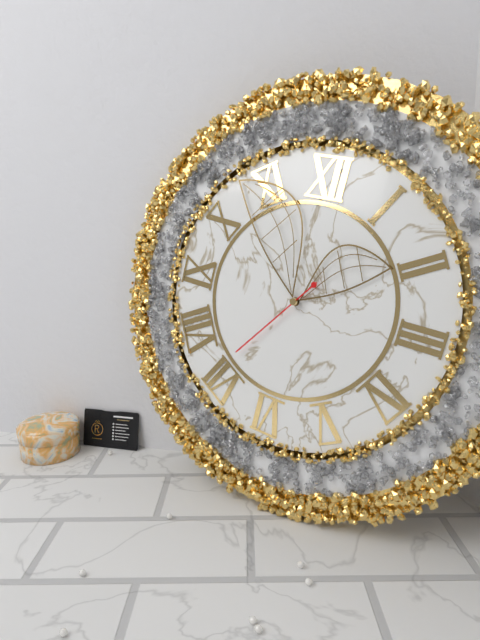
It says 1 h 53 min 36 s
